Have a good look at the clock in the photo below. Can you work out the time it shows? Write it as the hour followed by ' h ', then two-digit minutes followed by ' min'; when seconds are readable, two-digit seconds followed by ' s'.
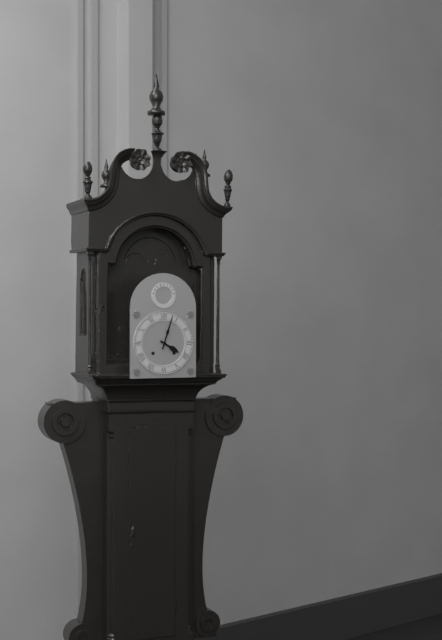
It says 4 h 03 min
